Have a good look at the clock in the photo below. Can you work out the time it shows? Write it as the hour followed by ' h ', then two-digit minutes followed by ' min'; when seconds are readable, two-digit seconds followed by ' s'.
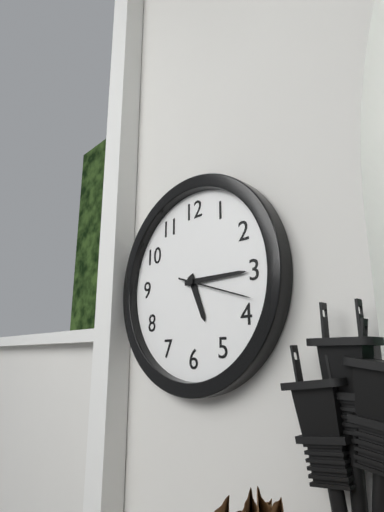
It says 5 h 15 min 18 s
